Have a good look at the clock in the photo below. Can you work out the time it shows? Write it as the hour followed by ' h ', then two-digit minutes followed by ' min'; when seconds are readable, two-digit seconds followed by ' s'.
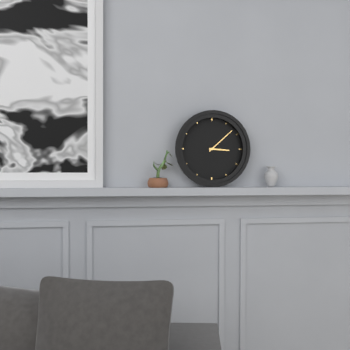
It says 3 h 08 min
